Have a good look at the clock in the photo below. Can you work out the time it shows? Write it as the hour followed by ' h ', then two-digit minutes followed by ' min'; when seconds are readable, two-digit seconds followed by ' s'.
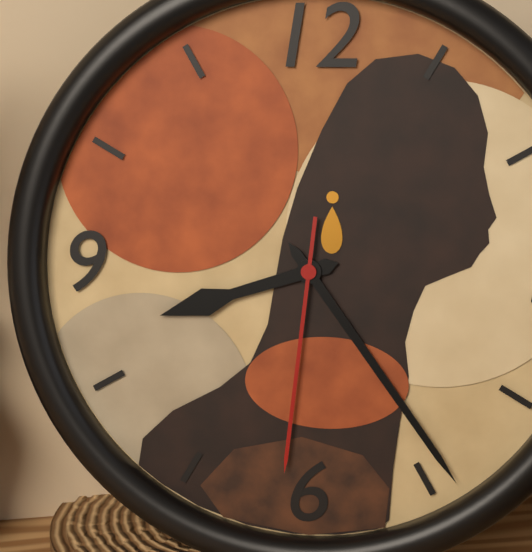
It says 8 h 24 min 31 s
